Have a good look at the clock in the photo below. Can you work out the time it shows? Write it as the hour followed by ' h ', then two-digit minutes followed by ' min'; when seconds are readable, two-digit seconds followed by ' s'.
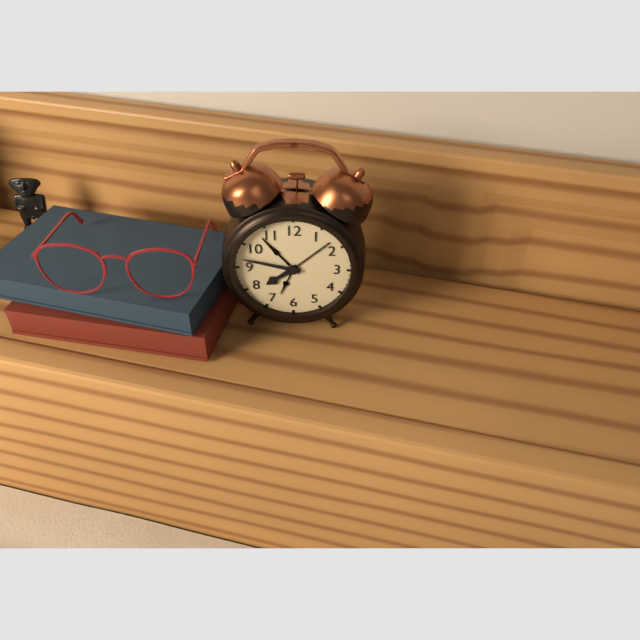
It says 7 h 47 min
